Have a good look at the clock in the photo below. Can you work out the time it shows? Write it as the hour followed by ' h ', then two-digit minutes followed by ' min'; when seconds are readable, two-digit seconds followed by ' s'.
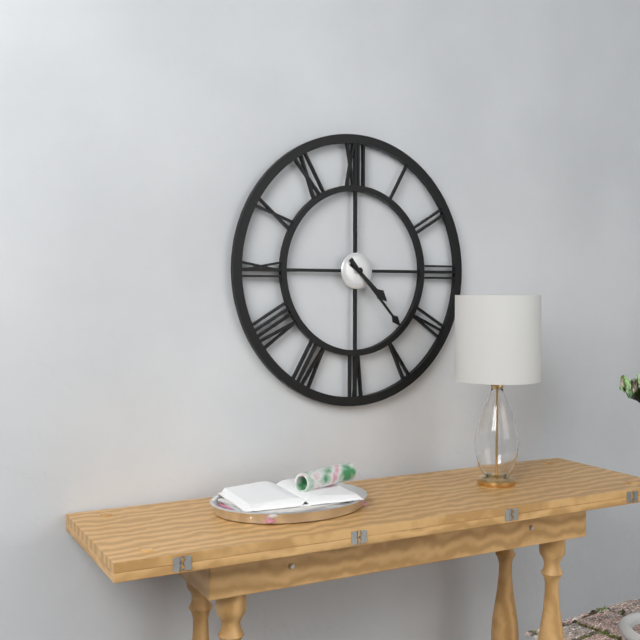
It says 4 h 23 min
